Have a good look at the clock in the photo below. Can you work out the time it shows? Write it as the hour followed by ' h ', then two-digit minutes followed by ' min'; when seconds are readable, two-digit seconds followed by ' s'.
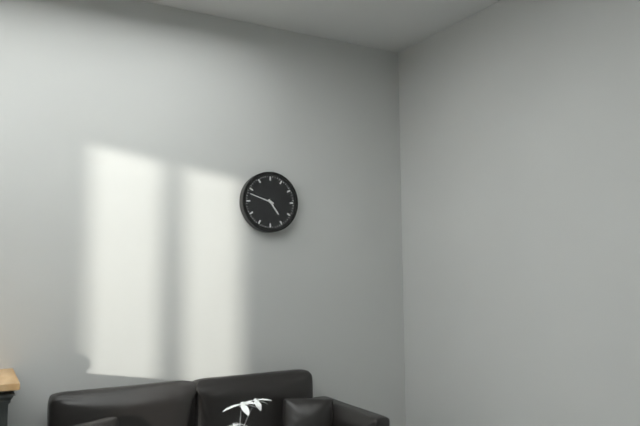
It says 4 h 48 min
